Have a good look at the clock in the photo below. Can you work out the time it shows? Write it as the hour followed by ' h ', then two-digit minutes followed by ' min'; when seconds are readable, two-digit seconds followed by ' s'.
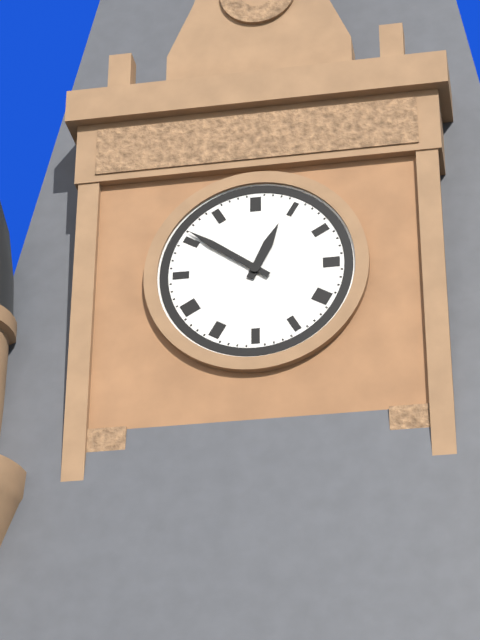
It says 12 h 51 min
